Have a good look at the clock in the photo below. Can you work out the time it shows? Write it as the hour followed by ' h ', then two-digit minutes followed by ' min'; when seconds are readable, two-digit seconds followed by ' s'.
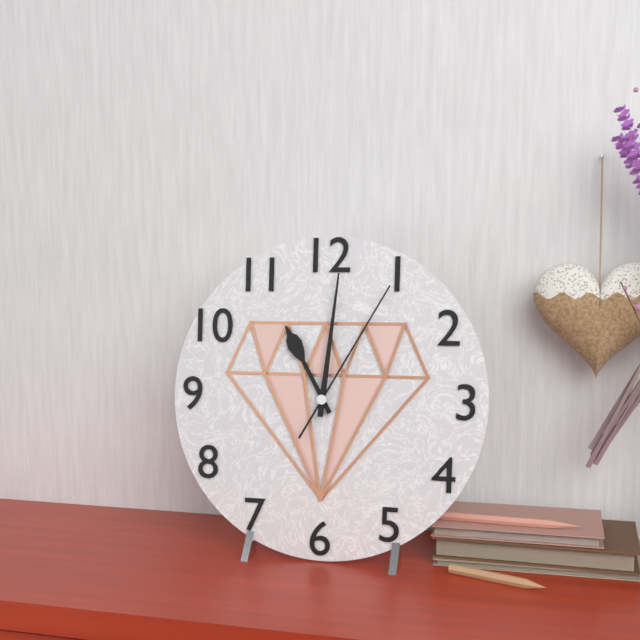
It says 11 h 01 min 05 s
